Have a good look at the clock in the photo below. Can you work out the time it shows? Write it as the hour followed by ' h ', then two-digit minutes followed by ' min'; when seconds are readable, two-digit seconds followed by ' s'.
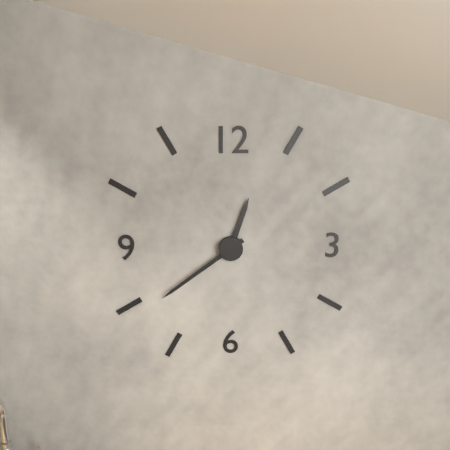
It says 12 h 39 min
